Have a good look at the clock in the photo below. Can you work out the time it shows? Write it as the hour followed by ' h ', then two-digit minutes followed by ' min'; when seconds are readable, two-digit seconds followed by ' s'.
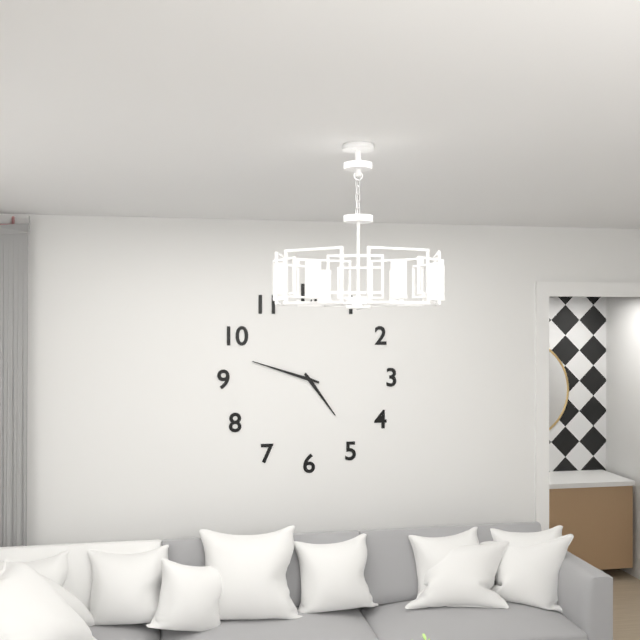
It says 4 h 48 min
